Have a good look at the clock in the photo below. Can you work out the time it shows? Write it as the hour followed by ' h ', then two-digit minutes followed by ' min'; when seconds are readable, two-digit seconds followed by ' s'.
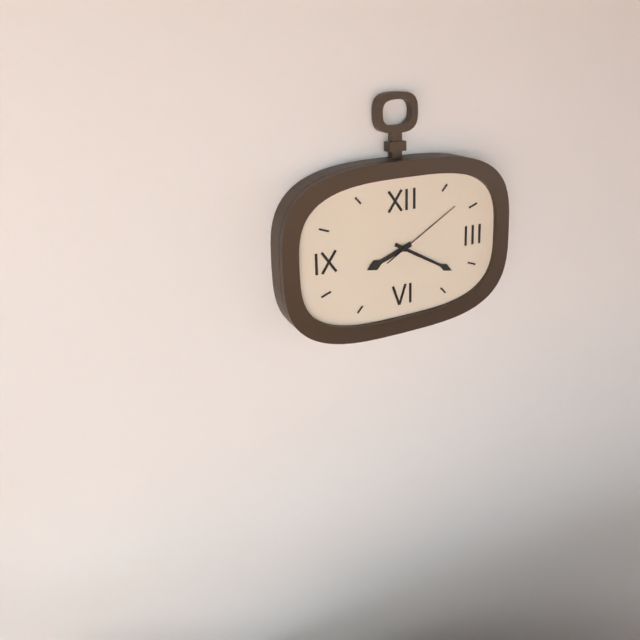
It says 8 h 20 min 10 s
